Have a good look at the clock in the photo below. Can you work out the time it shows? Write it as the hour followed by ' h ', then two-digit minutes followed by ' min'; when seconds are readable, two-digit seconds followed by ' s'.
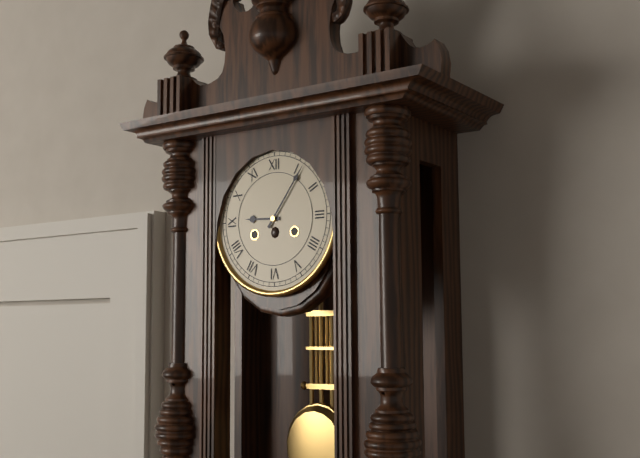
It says 9 h 06 min
